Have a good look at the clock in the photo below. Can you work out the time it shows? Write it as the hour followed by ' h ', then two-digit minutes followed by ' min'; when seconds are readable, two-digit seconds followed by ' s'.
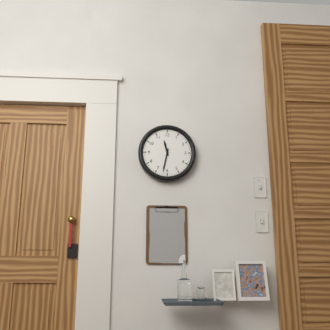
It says 11 h 32 min
